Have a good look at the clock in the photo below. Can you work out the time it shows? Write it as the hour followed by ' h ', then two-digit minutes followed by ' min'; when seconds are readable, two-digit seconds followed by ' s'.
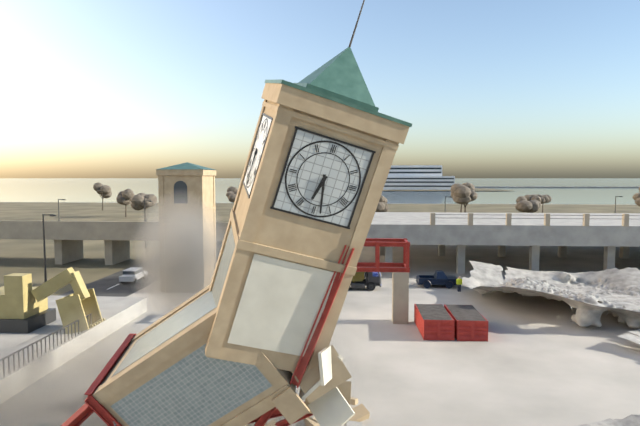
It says 6 h 28 min
